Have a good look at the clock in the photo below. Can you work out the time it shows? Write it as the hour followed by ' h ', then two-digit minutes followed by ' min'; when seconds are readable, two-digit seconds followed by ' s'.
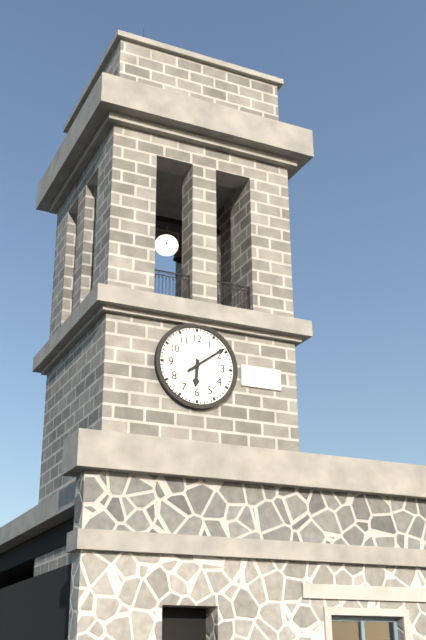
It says 6 h 09 min
